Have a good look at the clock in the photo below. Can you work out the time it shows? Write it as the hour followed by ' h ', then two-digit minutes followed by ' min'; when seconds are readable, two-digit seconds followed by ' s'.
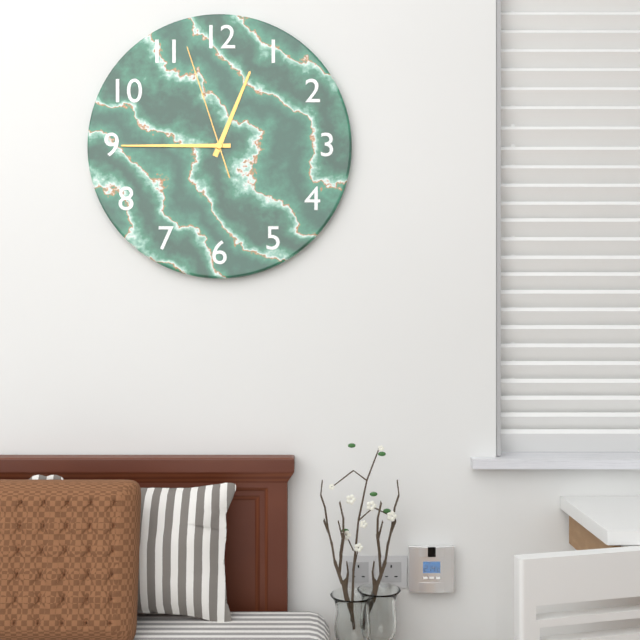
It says 12 h 45 min 57 s
